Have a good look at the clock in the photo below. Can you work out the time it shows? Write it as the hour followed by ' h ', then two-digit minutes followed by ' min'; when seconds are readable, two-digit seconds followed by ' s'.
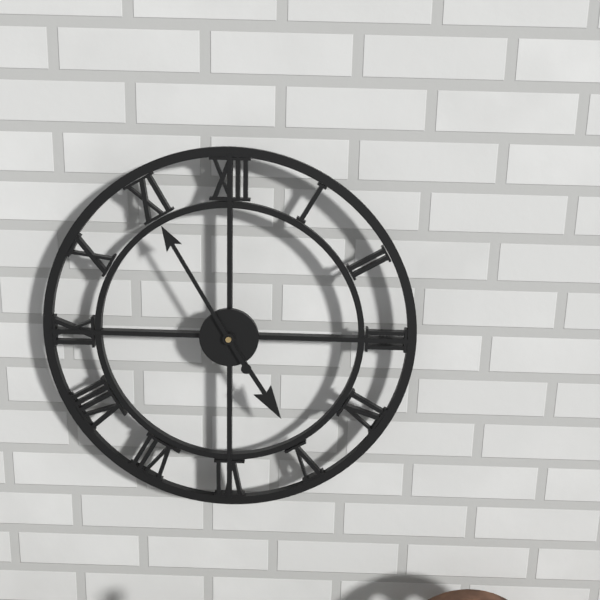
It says 4 h 55 min
